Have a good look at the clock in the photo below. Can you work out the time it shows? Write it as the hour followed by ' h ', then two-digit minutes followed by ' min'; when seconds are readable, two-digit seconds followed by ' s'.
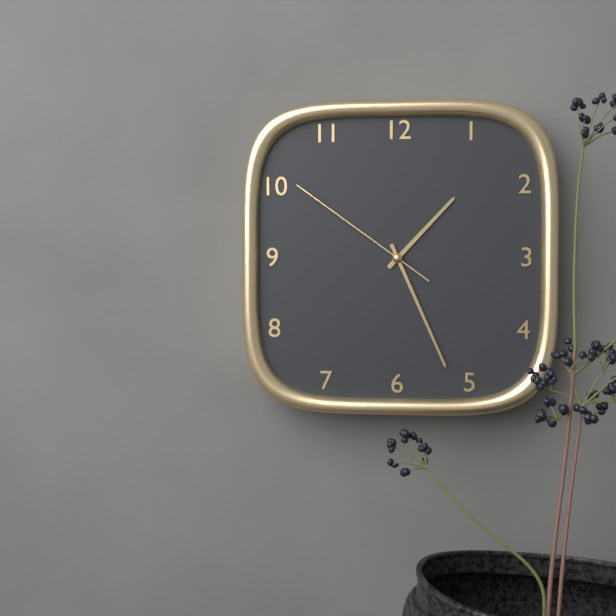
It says 1 h 26 min 51 s
